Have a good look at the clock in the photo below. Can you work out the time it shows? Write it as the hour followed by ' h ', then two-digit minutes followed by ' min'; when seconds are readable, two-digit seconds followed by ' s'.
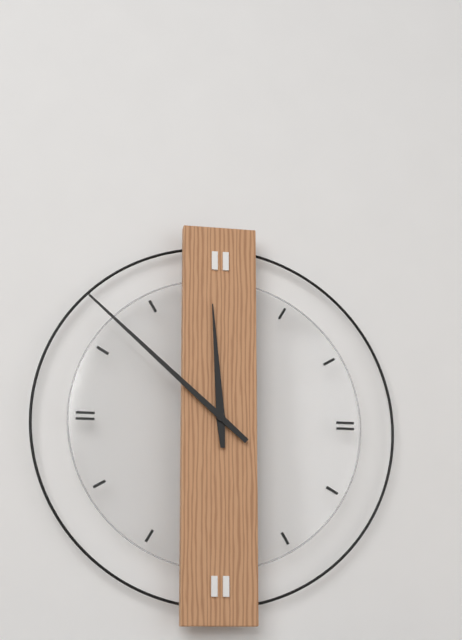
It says 11 h 52 min
